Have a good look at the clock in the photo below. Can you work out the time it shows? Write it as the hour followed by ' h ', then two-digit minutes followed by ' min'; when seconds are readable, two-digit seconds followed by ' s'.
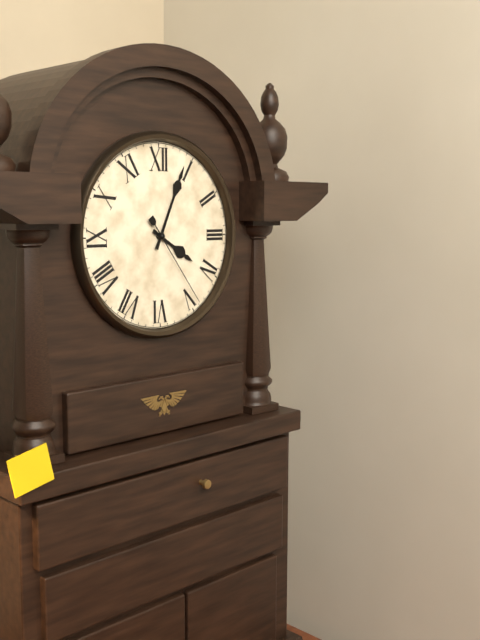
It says 4 h 04 min 24 s
